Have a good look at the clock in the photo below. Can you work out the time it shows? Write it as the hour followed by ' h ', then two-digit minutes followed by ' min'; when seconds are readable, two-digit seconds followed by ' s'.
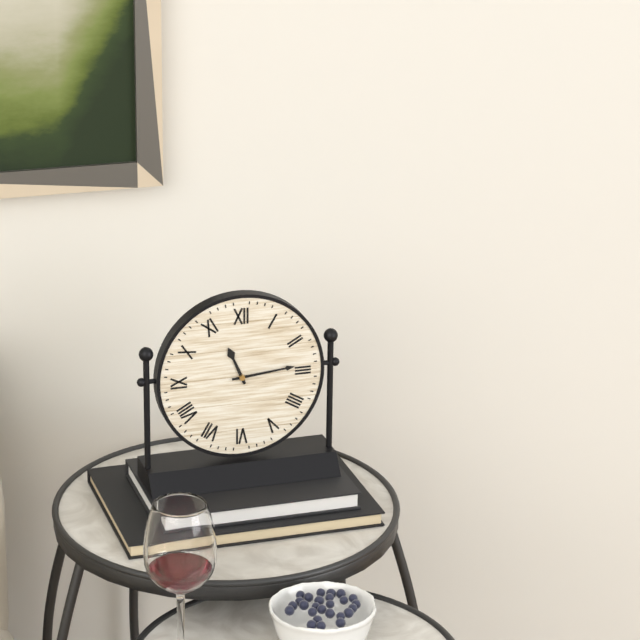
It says 11 h 14 min
